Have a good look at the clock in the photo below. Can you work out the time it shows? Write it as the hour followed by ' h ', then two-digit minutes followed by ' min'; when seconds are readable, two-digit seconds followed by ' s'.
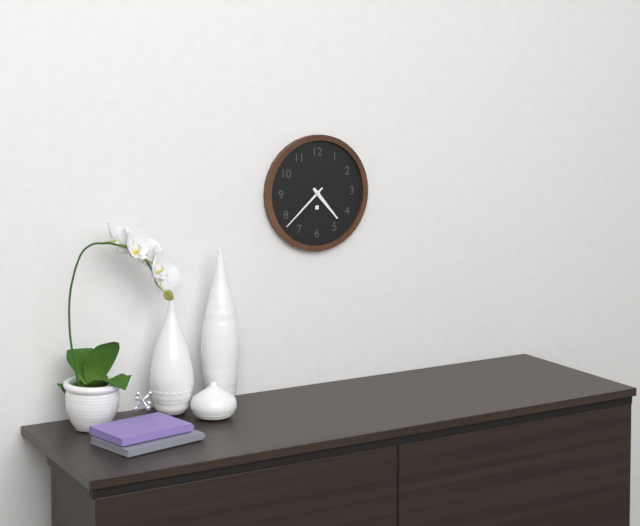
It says 4 h 38 min
